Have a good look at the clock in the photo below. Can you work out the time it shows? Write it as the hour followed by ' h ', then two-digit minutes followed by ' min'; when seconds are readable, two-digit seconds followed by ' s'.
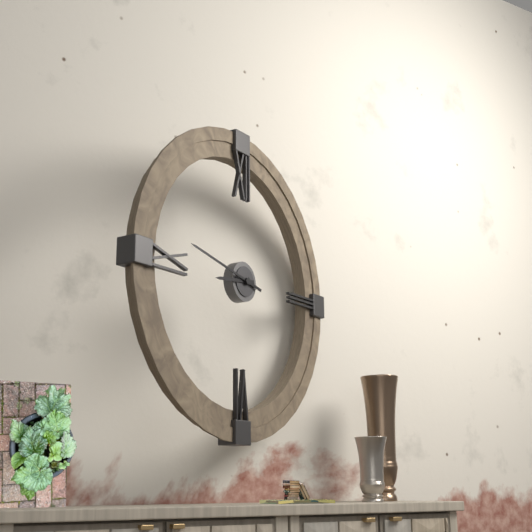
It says 8 h 47 min
